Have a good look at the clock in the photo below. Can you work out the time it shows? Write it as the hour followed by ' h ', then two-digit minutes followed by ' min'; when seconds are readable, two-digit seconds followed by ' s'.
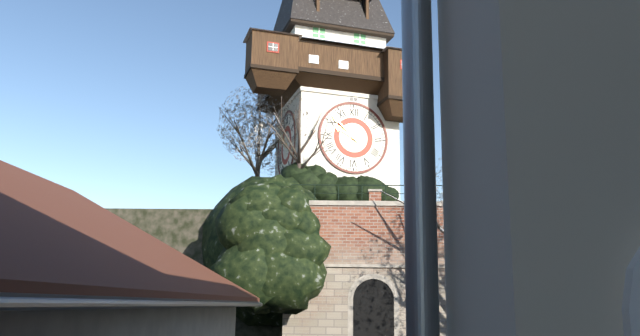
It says 9 h 52 min
